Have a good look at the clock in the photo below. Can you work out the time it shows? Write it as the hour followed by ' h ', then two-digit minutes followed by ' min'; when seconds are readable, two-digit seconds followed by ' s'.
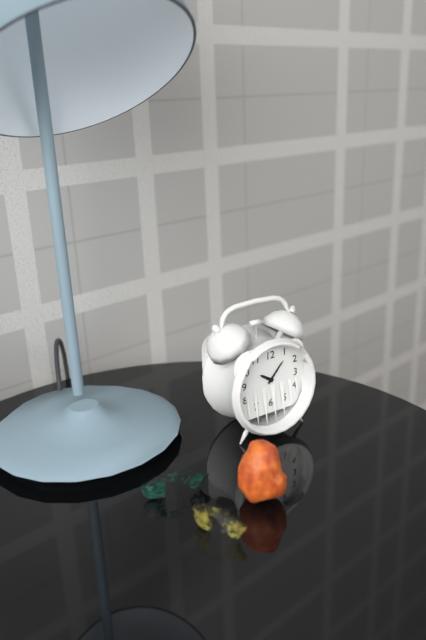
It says 10 h 07 min
